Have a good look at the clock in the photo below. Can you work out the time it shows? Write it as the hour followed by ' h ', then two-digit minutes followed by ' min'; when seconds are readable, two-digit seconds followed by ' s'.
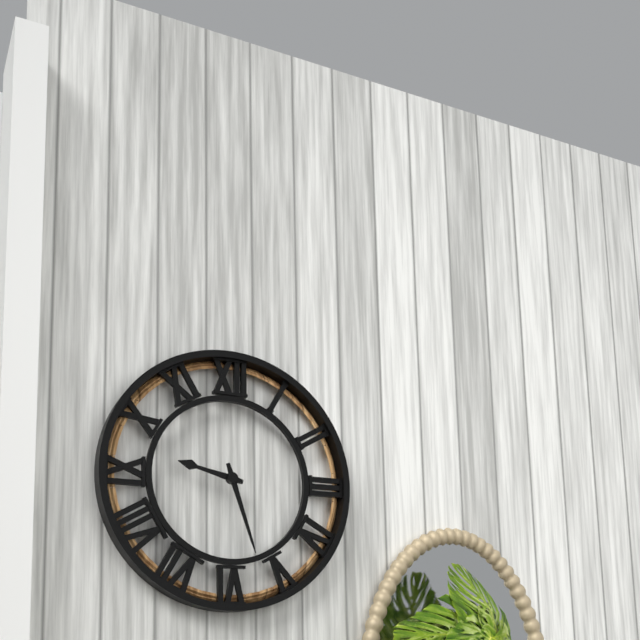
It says 9 h 27 min
